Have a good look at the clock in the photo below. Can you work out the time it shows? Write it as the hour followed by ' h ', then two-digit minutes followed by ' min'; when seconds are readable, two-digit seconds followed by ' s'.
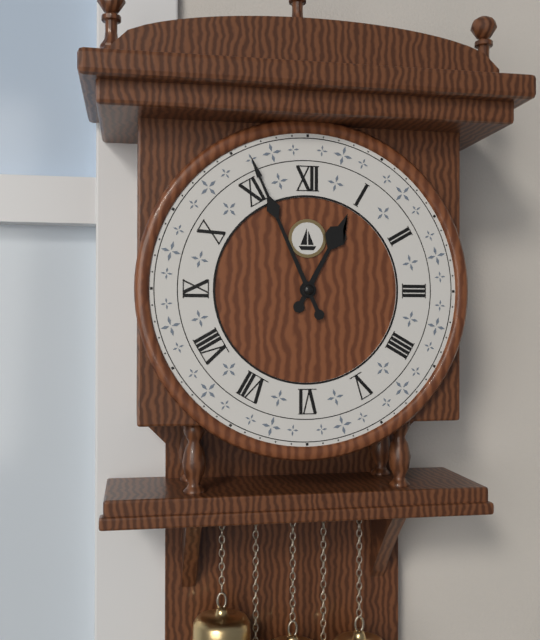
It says 12 h 56 min
